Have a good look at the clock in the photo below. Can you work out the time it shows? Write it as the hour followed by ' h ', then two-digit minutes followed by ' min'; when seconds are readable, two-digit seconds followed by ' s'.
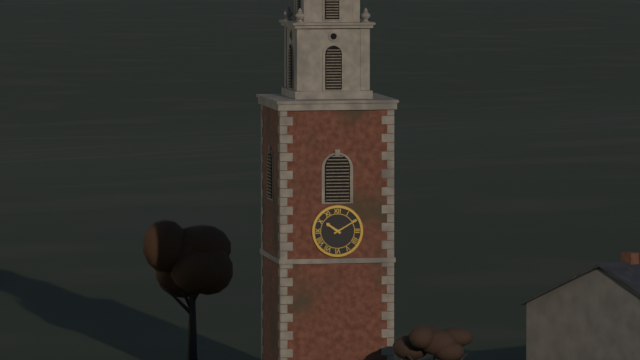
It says 10 h 10 min
